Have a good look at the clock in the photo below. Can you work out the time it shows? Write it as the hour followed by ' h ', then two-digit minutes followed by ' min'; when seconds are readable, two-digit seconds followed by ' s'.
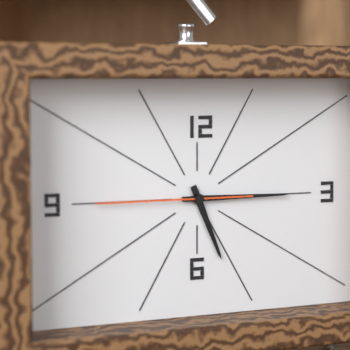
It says 5 h 15 min 45 s
